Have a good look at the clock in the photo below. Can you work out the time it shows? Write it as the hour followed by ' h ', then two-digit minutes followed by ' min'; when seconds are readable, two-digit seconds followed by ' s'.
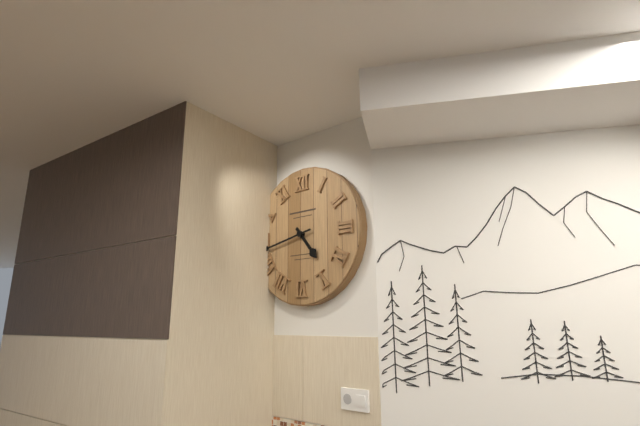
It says 4 h 43 min
